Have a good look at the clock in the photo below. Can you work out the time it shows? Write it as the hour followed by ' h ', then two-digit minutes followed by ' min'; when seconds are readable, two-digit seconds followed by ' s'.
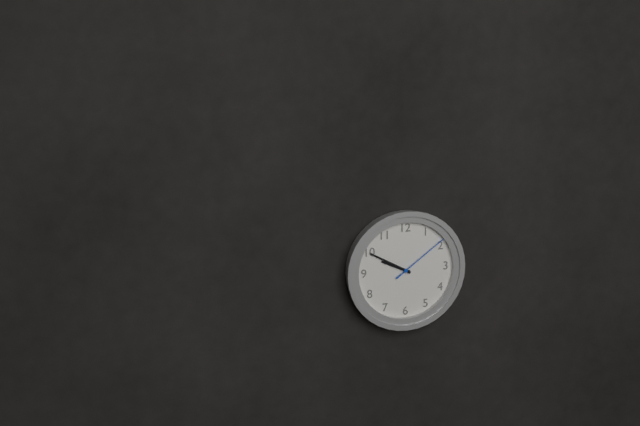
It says 9 h 50 min 09 s
